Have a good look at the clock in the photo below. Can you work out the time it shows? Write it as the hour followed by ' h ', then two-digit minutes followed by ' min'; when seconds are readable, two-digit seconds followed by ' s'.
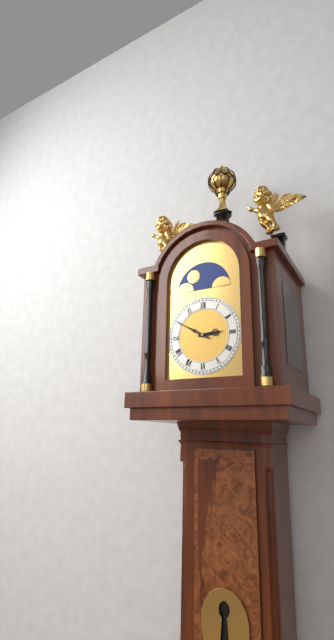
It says 2 h 50 min
